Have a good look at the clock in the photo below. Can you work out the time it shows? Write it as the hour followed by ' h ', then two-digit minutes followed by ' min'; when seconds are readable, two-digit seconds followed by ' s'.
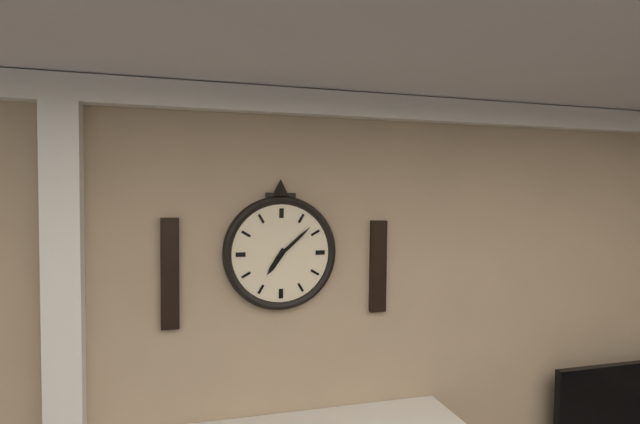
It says 7 h 08 min
